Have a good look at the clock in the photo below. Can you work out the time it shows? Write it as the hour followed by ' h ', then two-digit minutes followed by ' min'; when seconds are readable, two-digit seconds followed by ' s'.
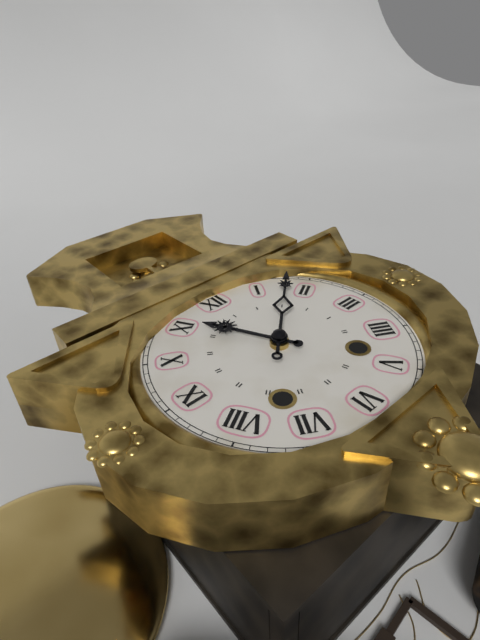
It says 11 h 08 min
